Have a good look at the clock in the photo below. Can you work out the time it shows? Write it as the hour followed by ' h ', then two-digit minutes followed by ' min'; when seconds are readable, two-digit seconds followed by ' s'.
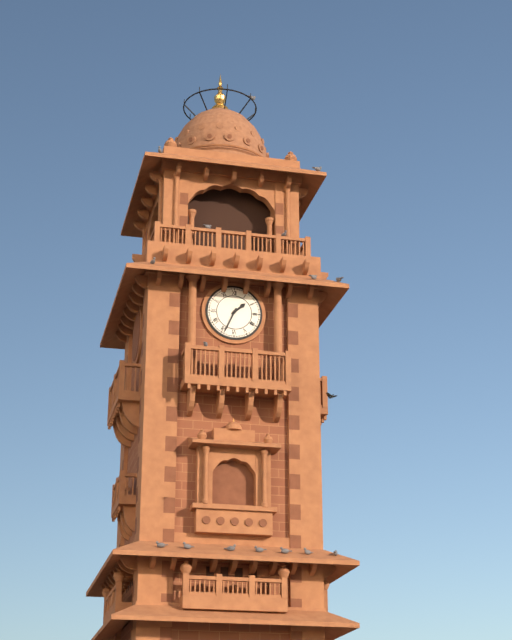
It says 1 h 34 min
